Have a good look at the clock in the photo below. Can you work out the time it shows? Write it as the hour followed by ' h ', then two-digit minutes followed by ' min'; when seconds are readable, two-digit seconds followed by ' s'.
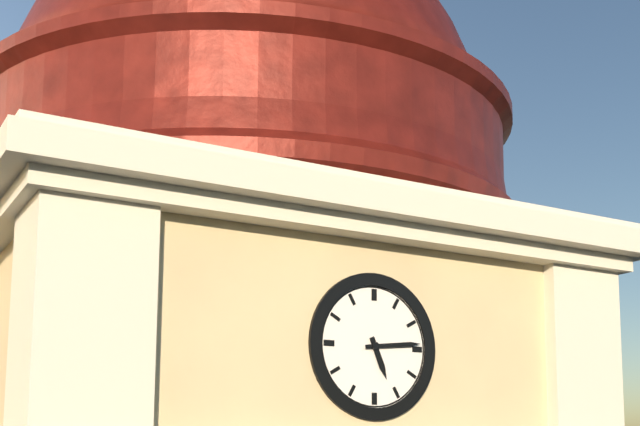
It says 5 h 14 min
